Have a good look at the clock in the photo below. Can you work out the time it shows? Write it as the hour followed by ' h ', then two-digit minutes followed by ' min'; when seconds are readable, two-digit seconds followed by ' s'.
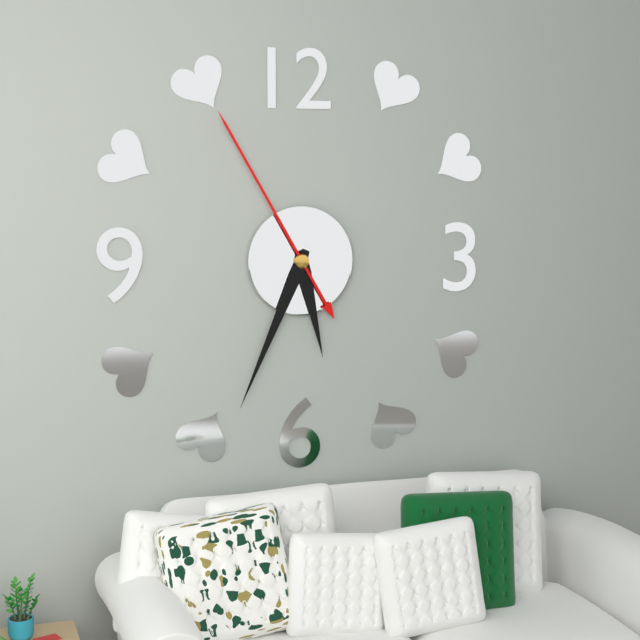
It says 5 h 34 min 55 s
